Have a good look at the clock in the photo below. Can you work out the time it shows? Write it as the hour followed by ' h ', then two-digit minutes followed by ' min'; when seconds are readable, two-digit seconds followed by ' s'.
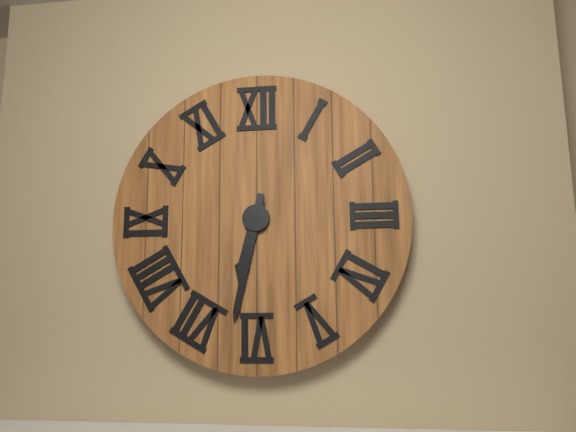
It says 6 h 32 min
